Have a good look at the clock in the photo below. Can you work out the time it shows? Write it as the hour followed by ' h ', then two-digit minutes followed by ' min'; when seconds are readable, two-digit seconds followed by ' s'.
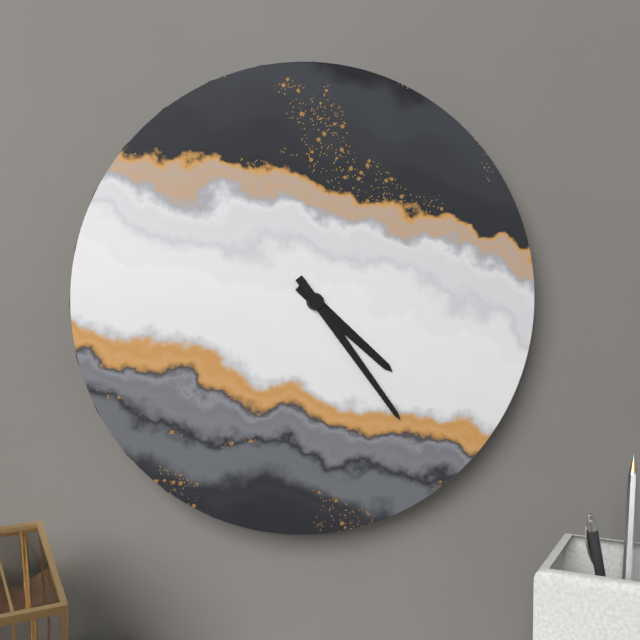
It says 4 h 24 min
